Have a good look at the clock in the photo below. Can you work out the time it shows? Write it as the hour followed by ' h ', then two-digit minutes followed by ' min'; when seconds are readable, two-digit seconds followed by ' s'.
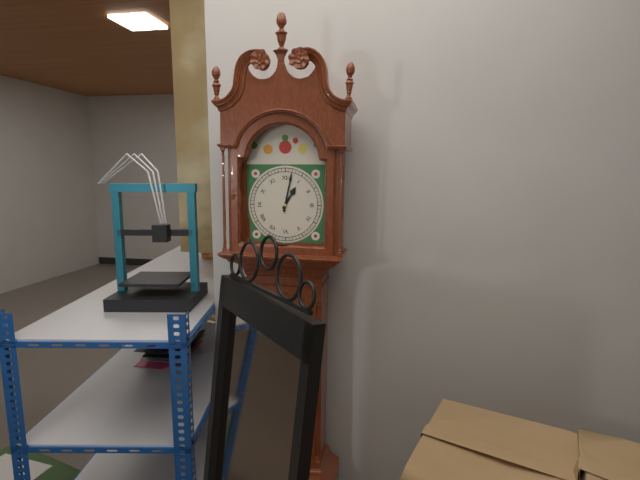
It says 1 h 02 min
